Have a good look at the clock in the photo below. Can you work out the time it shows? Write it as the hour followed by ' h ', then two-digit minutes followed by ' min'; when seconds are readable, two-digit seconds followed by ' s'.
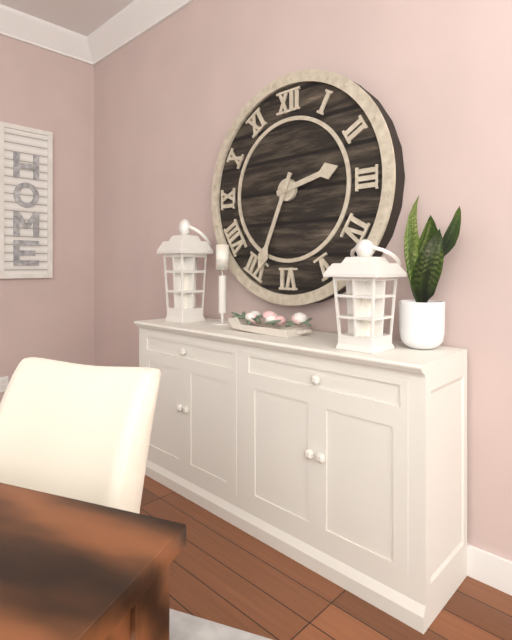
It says 2 h 34 min
